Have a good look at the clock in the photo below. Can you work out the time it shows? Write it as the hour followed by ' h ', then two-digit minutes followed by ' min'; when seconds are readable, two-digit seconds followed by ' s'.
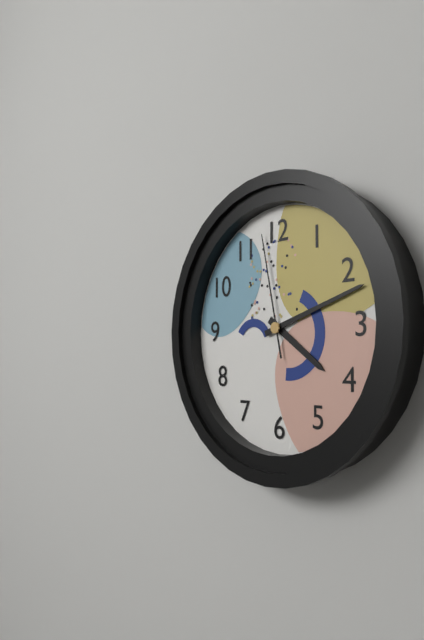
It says 4 h 12 min 58 s
